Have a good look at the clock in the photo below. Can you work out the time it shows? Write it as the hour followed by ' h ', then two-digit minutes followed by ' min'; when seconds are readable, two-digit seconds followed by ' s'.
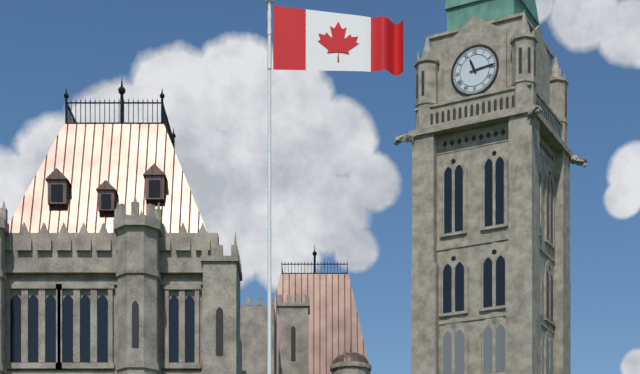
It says 11 h 14 min
